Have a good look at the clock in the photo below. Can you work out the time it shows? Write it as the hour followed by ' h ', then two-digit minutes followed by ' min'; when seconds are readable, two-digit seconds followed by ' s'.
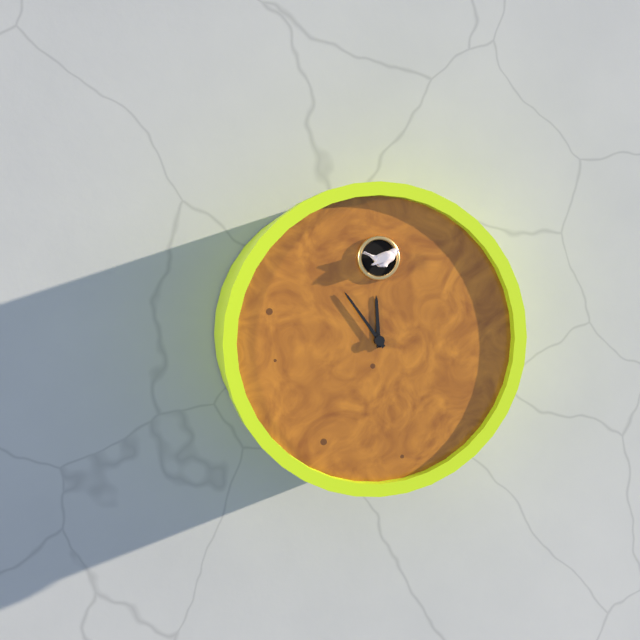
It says 11 h 54 min
